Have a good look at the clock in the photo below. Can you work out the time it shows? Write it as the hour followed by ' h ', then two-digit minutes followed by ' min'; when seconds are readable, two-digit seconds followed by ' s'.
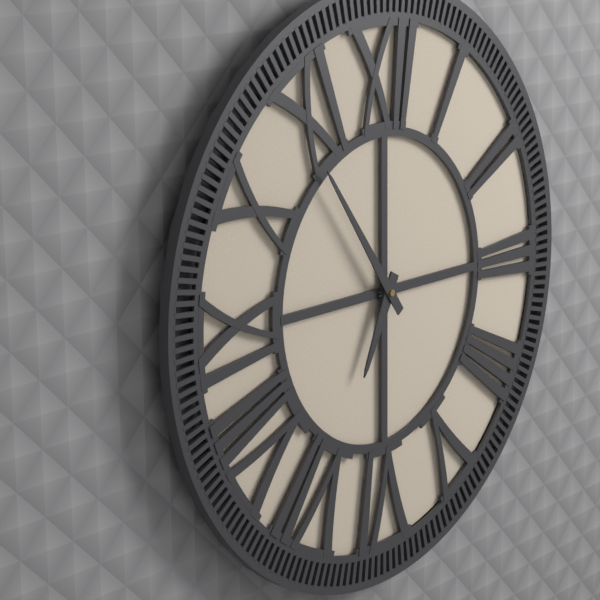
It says 6 h 54 min
